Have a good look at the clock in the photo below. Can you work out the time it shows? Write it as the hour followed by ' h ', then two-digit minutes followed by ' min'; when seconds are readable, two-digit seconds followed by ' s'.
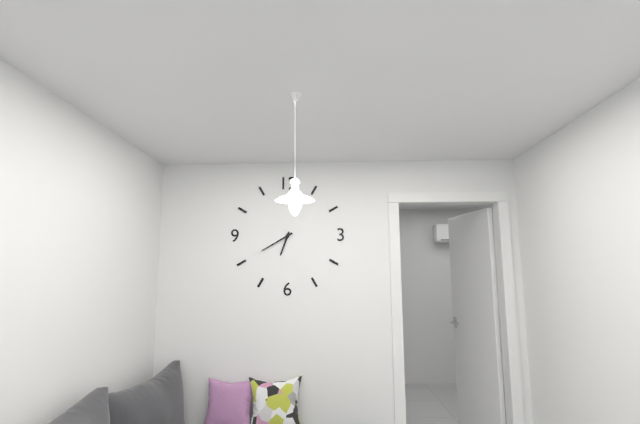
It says 6 h 40 min
